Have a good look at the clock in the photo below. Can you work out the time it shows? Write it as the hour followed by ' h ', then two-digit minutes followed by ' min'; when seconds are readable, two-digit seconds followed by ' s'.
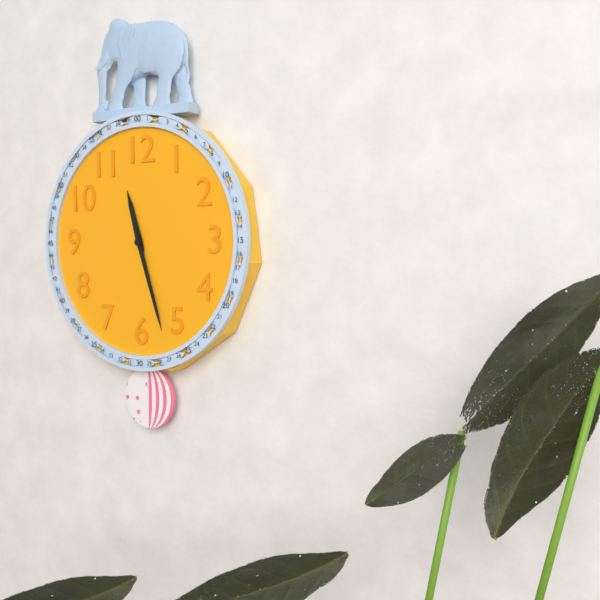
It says 11 h 27 min
